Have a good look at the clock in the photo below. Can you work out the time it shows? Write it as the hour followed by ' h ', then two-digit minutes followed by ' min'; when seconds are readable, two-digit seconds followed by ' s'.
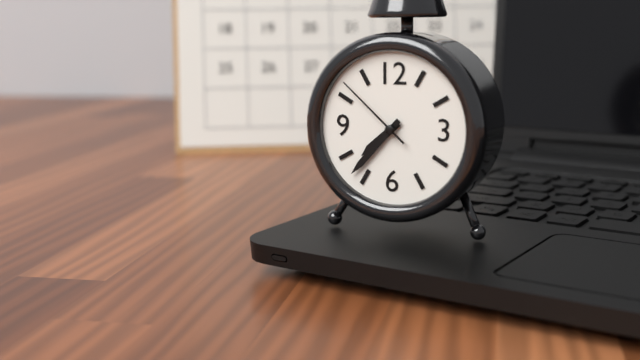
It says 7 h 37 min 52 s
